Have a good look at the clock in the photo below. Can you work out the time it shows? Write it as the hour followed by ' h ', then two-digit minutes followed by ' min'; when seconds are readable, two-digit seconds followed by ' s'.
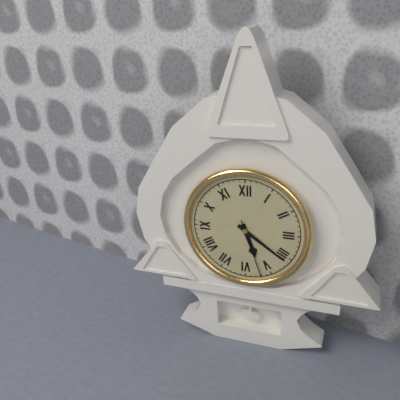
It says 5 h 21 min 27 s
